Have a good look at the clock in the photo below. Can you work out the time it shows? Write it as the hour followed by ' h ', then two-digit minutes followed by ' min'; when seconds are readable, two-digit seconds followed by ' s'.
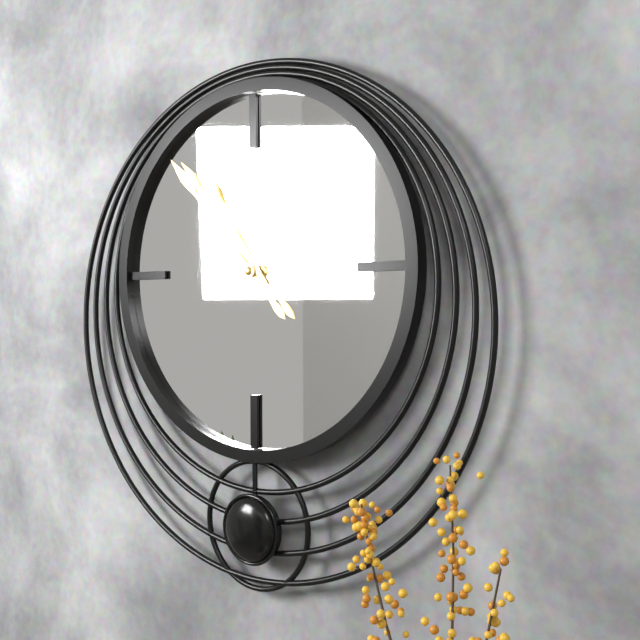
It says 10 h 53 min
